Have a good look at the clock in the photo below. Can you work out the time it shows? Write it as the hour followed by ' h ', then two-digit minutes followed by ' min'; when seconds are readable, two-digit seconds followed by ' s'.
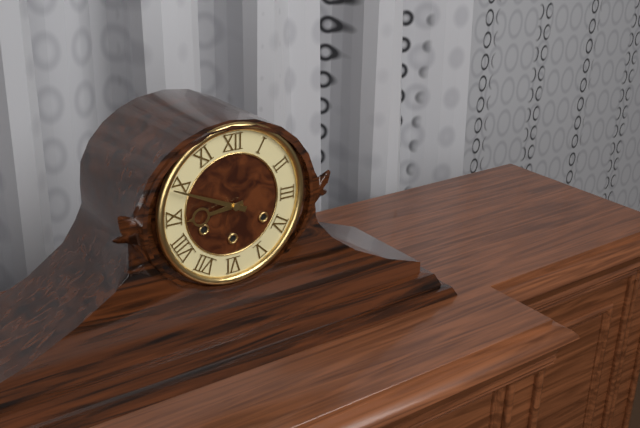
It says 8 h 49 min
